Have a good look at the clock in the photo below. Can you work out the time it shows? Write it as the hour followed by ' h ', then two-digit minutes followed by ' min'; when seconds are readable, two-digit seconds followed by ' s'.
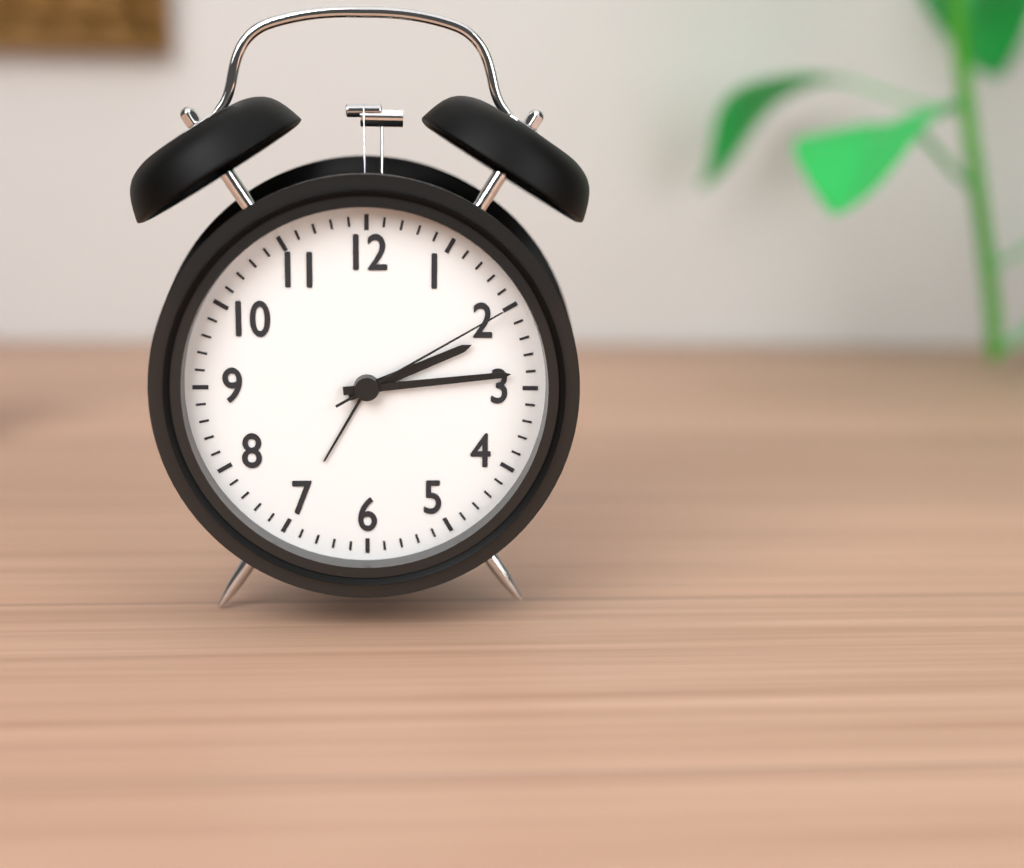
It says 2 h 14 min 10 s
